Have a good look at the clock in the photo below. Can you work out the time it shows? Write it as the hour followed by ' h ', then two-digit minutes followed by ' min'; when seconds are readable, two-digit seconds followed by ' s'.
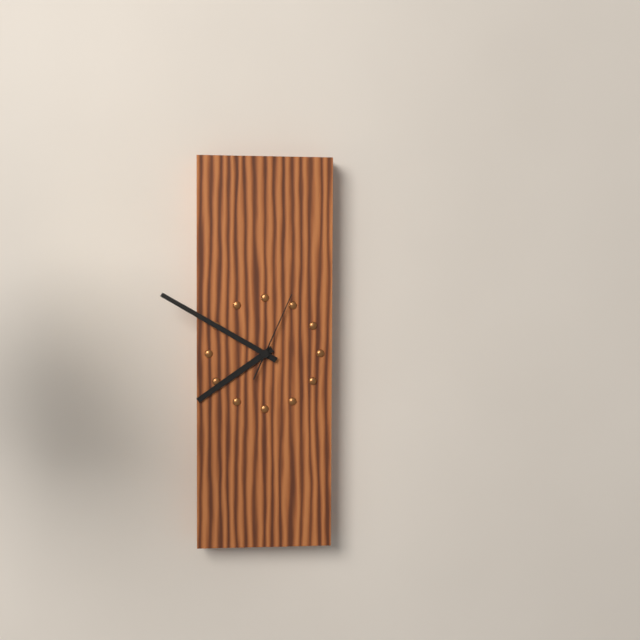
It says 7 h 50 min 04 s
